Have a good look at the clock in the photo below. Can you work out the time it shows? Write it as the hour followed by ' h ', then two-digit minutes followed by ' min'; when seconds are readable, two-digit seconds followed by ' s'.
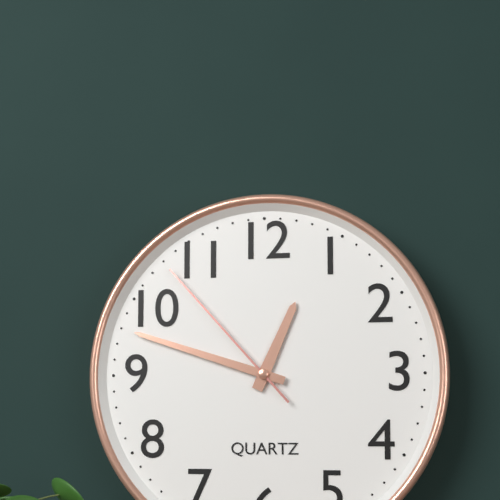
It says 12 h 48 min 53 s
